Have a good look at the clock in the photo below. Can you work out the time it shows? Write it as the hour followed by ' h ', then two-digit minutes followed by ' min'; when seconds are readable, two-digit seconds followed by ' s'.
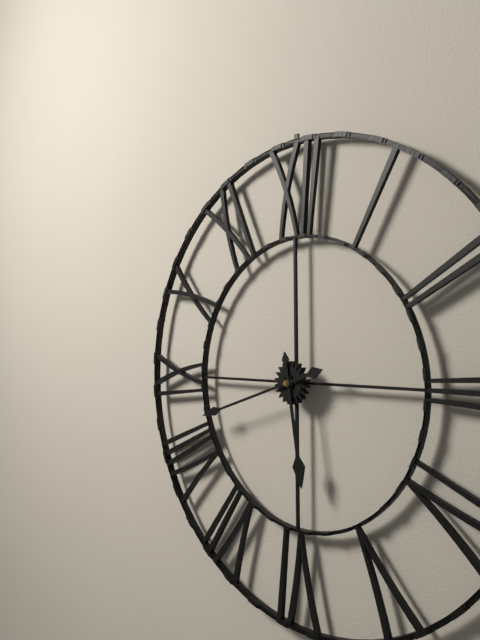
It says 5 h 42 min
